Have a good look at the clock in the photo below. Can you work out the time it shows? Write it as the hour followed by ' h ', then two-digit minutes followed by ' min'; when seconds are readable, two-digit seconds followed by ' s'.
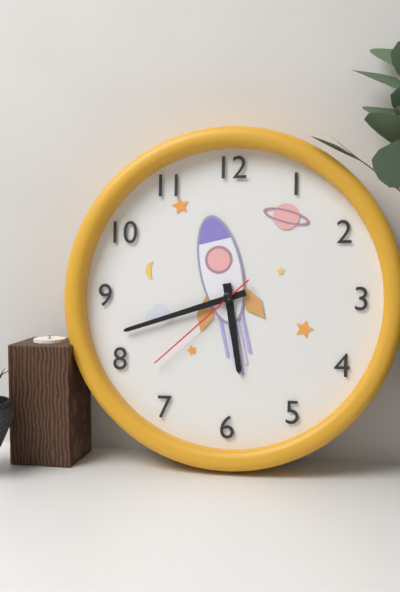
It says 5 h 42 min 38 s
